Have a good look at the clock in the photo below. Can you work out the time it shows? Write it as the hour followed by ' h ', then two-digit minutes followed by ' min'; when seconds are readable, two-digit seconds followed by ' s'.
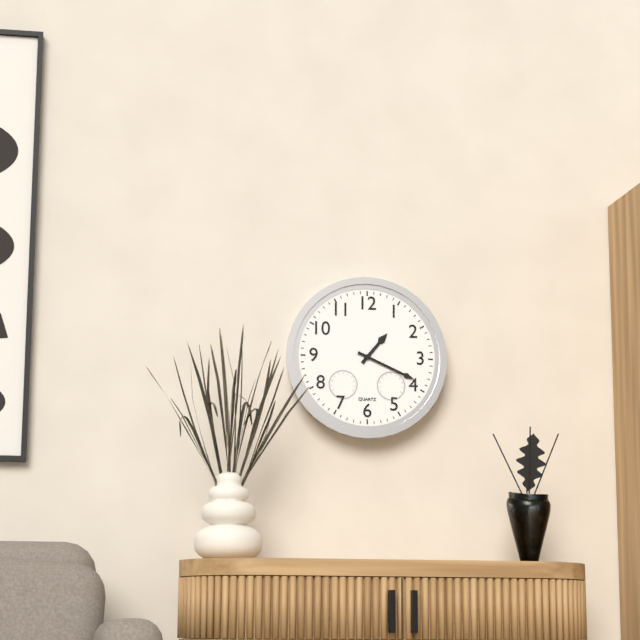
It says 1 h 19 min
